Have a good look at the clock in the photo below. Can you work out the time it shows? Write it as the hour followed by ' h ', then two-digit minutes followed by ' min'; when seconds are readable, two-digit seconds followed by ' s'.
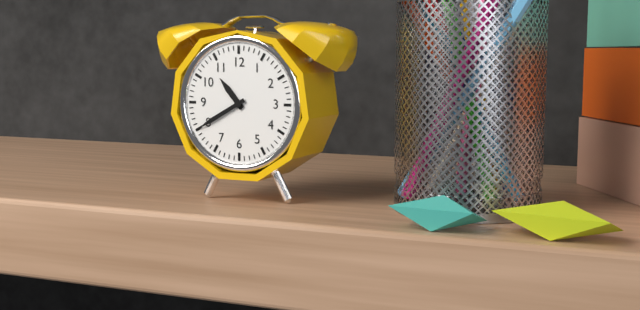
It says 10 h 40 min
